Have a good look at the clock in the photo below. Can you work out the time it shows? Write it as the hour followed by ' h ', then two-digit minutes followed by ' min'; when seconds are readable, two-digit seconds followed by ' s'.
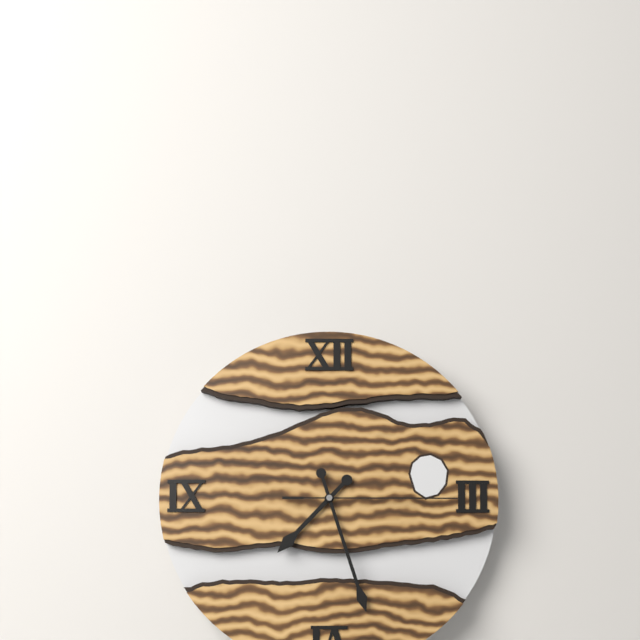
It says 7 h 27 min 15 s
